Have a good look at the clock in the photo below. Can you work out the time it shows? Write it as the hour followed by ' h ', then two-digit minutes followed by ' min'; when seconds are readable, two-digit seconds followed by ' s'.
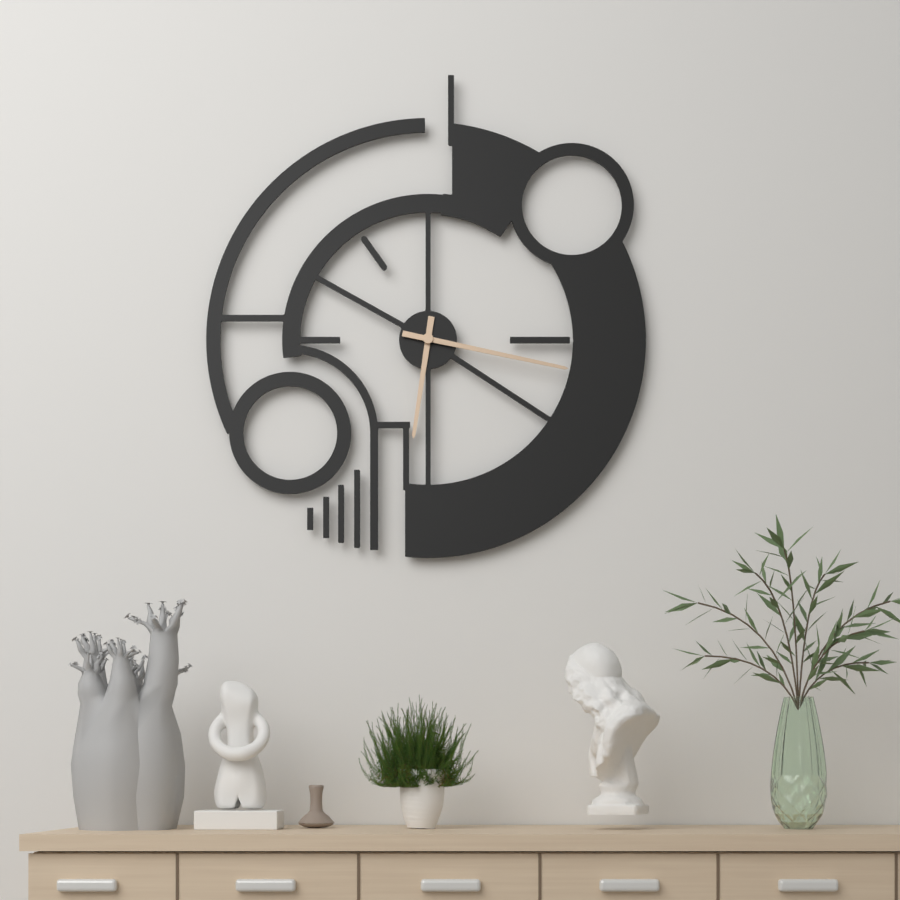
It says 6 h 17 min
